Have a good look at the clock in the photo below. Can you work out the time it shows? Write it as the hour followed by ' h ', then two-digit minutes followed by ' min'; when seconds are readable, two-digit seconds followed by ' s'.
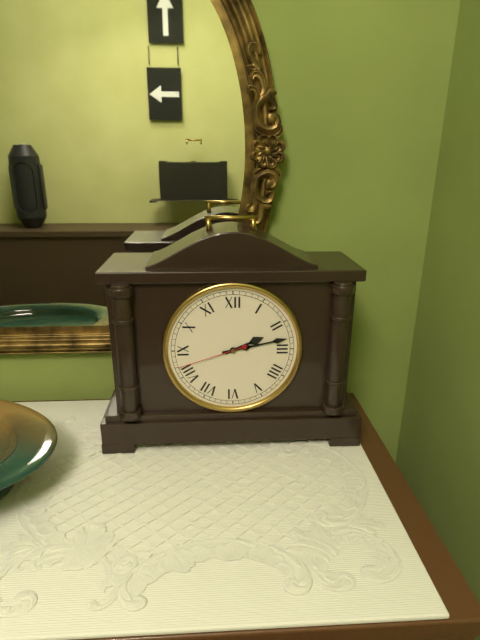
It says 2 h 13 min 42 s
